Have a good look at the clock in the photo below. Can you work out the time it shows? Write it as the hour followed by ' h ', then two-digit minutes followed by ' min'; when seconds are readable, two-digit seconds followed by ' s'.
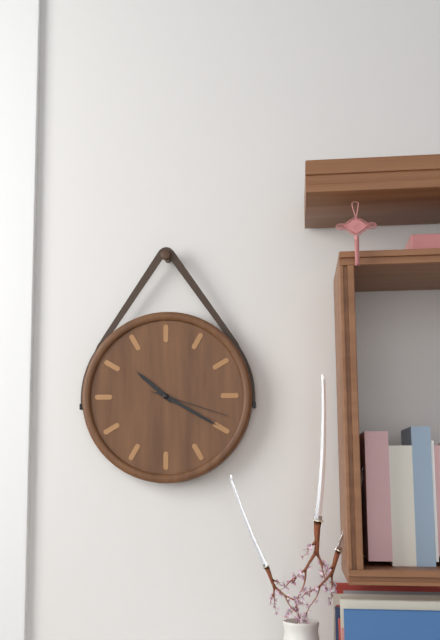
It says 10 h 20 min 18 s
